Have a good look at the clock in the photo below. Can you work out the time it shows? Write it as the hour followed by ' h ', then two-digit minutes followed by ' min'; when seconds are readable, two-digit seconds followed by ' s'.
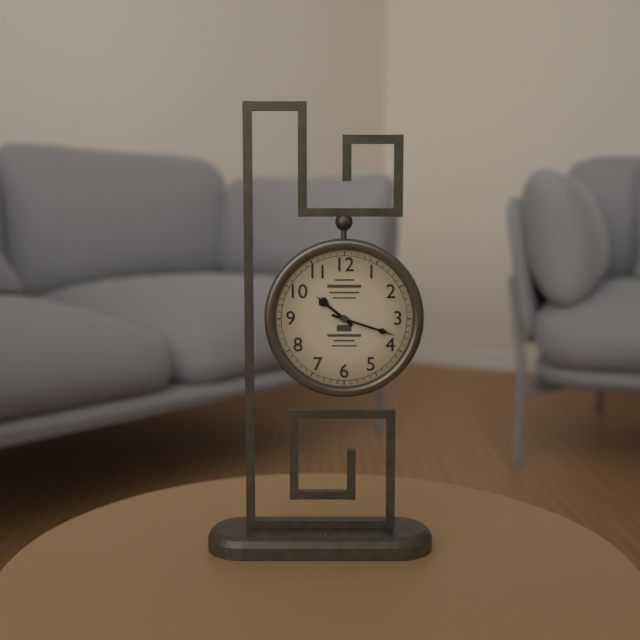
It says 10 h 18 min
